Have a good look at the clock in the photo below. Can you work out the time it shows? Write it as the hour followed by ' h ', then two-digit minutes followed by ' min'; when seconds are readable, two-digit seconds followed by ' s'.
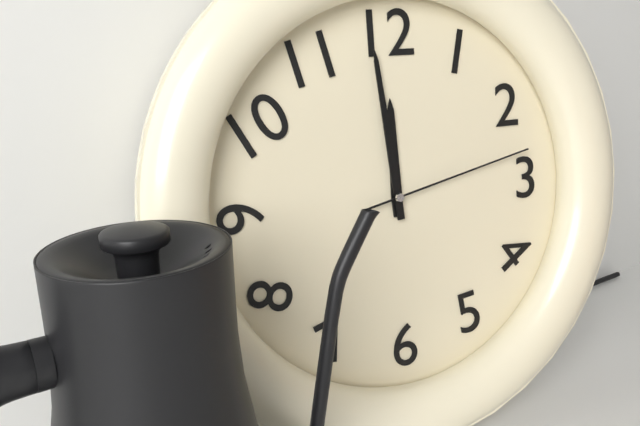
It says 11 h 59 min 13 s
